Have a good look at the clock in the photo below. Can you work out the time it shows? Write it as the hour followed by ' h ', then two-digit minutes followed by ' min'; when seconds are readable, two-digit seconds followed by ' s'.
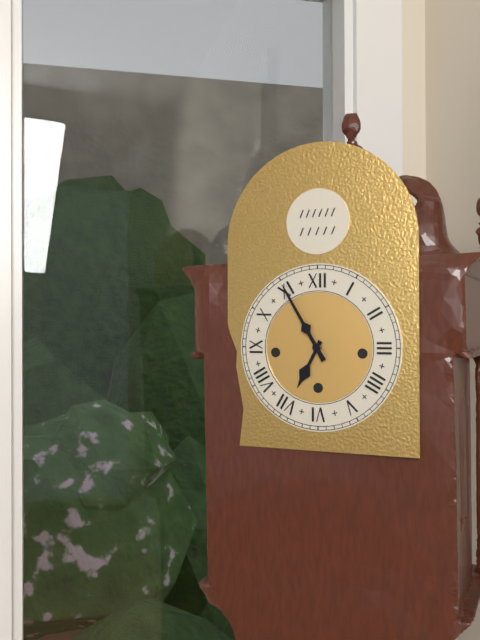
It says 6 h 55 min
